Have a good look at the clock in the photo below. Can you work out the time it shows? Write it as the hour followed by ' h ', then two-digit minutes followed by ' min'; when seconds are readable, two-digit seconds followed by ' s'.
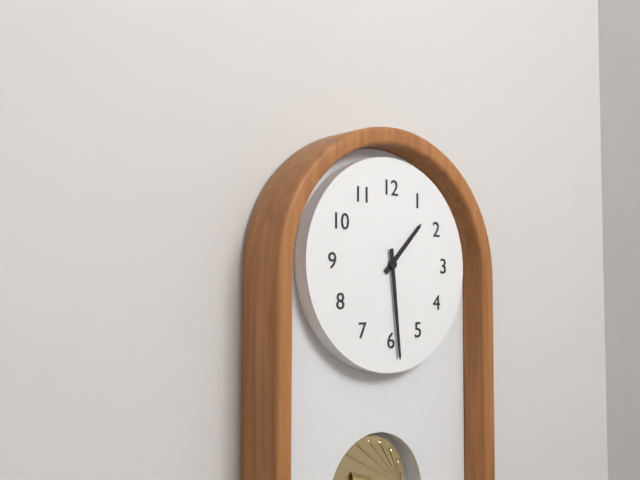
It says 1 h 29 min
